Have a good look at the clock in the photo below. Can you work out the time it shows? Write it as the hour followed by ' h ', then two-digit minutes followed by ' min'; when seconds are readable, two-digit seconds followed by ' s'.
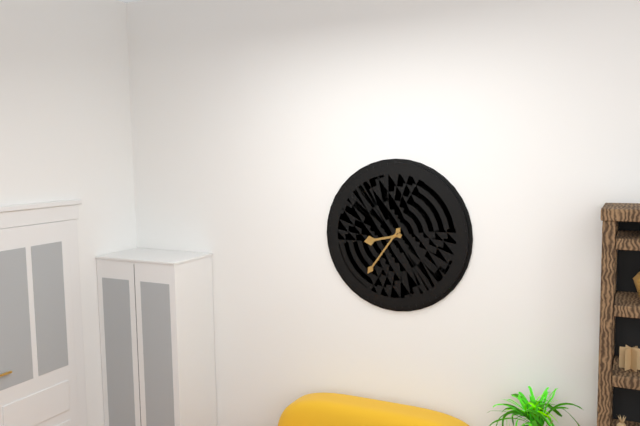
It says 8 h 36 min
